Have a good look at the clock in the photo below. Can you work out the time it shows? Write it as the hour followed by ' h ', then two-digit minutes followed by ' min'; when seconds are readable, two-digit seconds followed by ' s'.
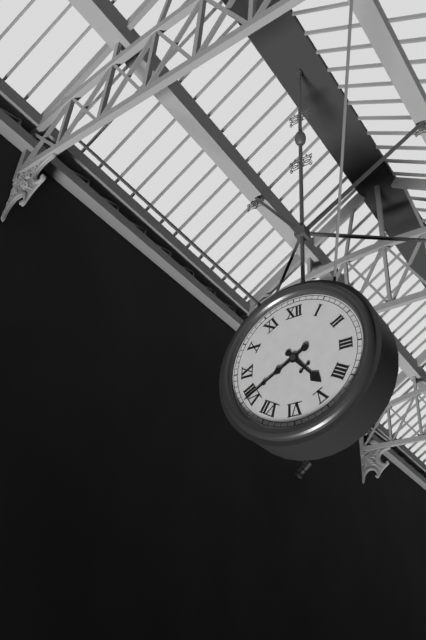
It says 4 h 40 min
